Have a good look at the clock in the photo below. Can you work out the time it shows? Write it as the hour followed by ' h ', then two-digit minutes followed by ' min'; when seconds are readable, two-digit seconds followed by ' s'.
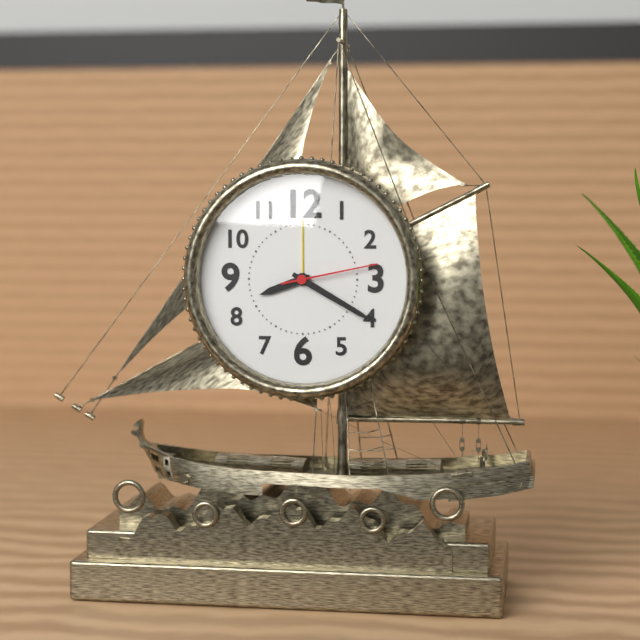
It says 8 h 20 min 13 s
